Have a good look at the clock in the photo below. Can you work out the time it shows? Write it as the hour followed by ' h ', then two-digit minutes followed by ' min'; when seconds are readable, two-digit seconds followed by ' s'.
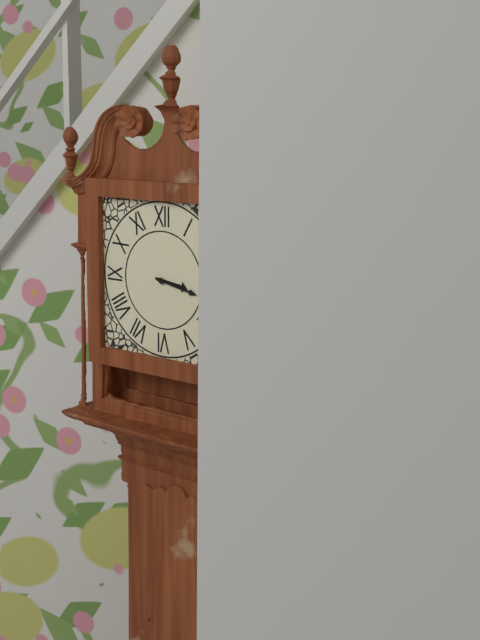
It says 3 h 17 min
